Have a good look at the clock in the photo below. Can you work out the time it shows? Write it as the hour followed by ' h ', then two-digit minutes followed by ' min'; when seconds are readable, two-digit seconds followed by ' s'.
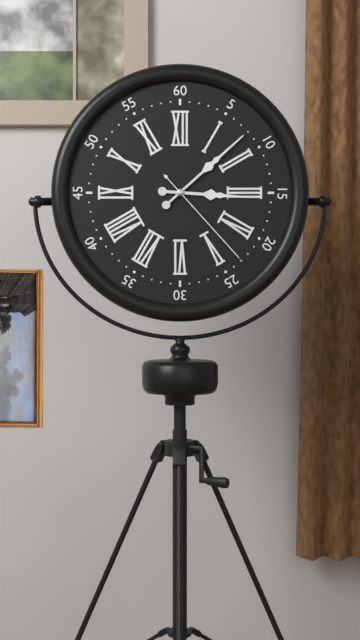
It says 3 h 08 min 23 s
